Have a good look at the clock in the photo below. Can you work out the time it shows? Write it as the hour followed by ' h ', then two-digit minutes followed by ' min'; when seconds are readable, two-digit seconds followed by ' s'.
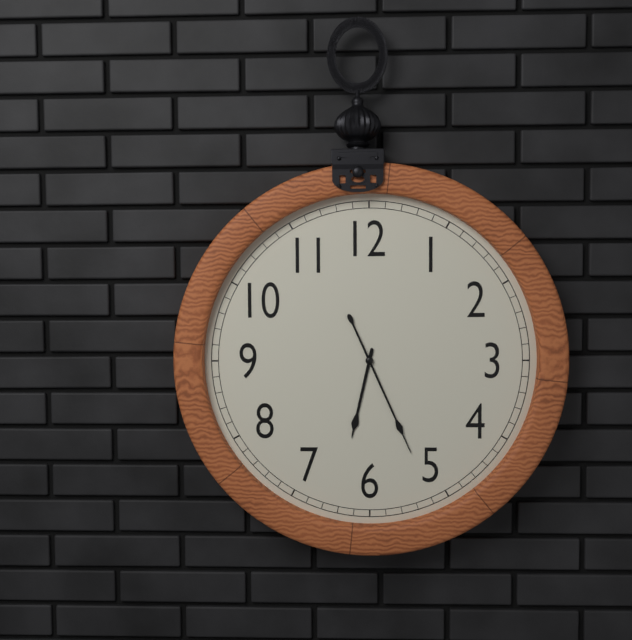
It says 6 h 26 min
